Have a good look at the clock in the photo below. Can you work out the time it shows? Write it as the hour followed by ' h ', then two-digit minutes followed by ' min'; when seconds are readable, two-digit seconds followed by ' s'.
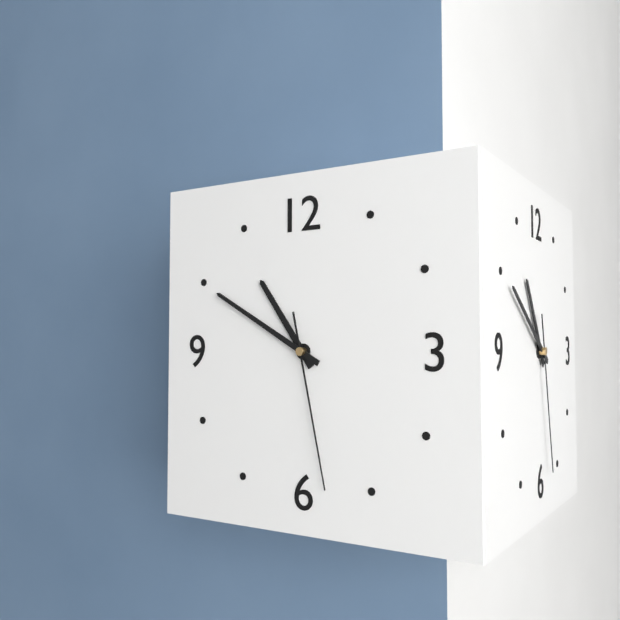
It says 10 h 50 min 28 s
